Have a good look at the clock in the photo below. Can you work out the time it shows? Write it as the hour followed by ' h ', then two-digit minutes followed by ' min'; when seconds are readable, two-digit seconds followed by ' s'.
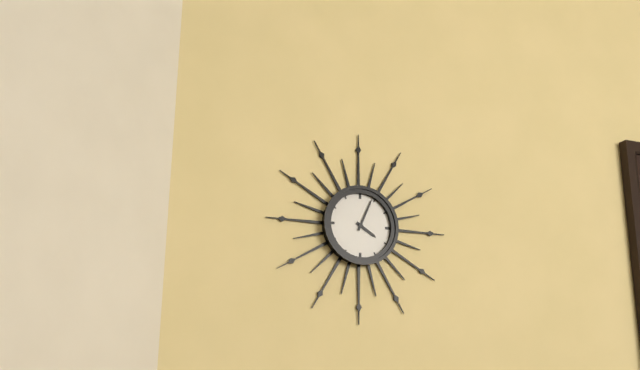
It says 4 h 04 min
